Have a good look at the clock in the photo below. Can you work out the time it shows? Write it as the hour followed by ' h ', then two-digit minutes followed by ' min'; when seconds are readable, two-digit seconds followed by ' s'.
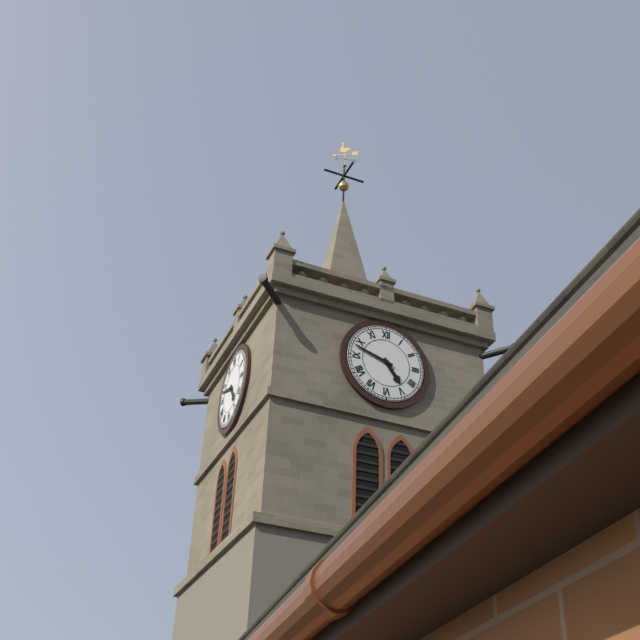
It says 4 h 48 min
